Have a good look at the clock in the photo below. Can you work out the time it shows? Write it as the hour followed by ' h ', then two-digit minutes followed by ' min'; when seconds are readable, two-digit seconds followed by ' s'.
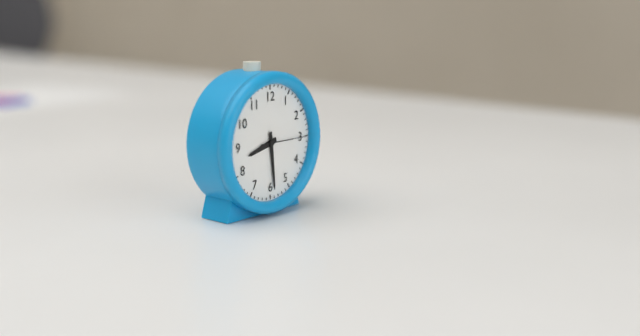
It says 8 h 29 min
